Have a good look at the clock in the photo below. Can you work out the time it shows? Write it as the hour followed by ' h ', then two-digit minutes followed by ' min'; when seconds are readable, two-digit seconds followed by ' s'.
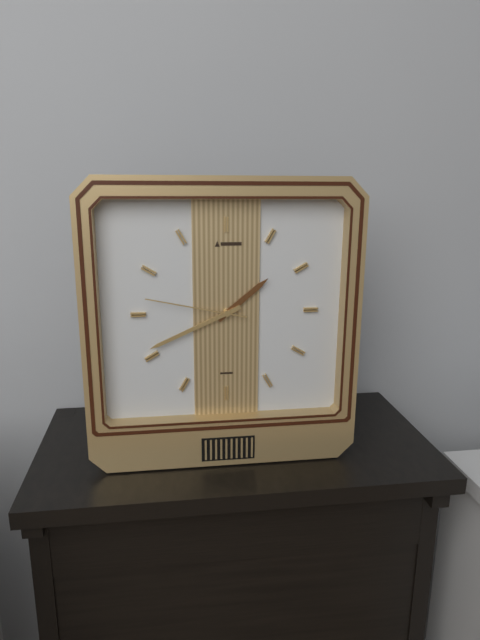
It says 1 h 41 min 47 s
